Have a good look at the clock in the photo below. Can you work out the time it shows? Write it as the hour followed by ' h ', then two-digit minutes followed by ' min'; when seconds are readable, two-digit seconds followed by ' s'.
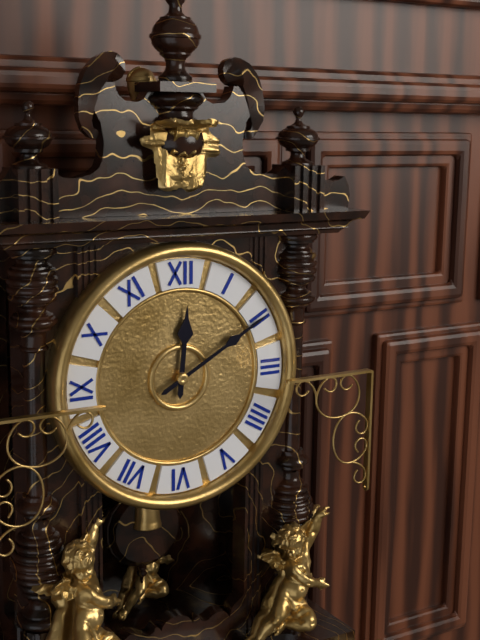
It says 12 h 10 min
